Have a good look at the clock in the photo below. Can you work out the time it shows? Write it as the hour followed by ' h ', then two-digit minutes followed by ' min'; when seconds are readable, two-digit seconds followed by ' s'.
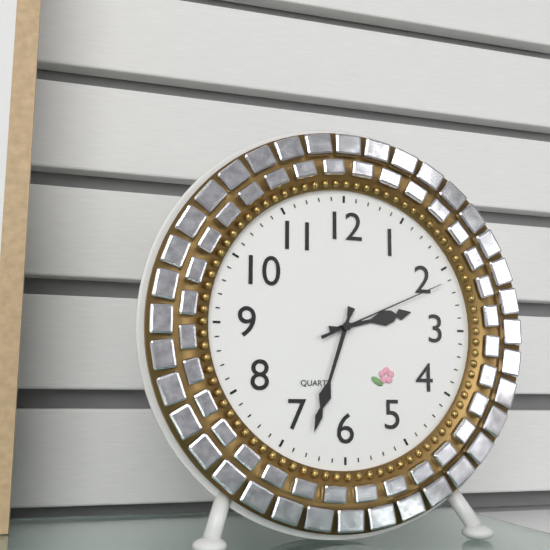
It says 2 h 33 min 11 s
